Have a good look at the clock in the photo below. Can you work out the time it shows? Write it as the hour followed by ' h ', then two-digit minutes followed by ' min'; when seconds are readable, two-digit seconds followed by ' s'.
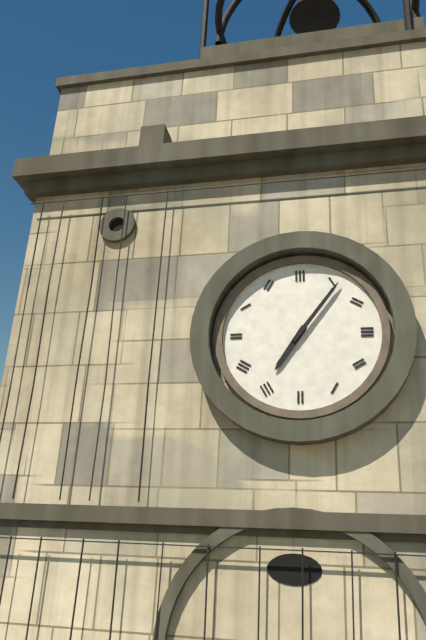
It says 7 h 06 min
